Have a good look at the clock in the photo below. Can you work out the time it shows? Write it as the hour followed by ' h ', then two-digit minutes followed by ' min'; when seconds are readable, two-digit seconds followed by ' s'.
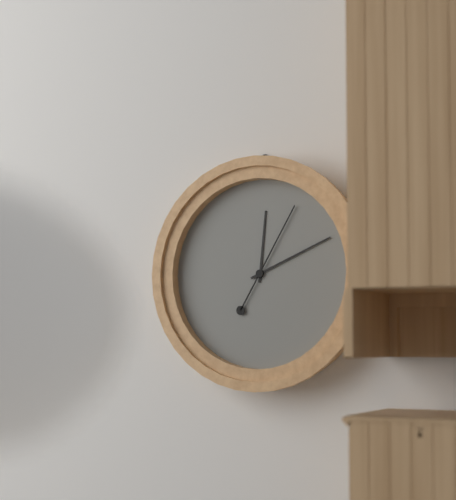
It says 12 h 11 min 05 s
